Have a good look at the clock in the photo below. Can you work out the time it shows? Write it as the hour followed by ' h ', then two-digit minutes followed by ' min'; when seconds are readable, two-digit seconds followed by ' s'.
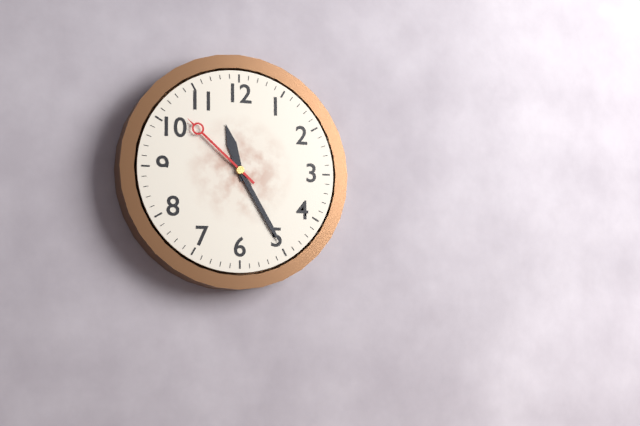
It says 11 h 25 min 52 s
